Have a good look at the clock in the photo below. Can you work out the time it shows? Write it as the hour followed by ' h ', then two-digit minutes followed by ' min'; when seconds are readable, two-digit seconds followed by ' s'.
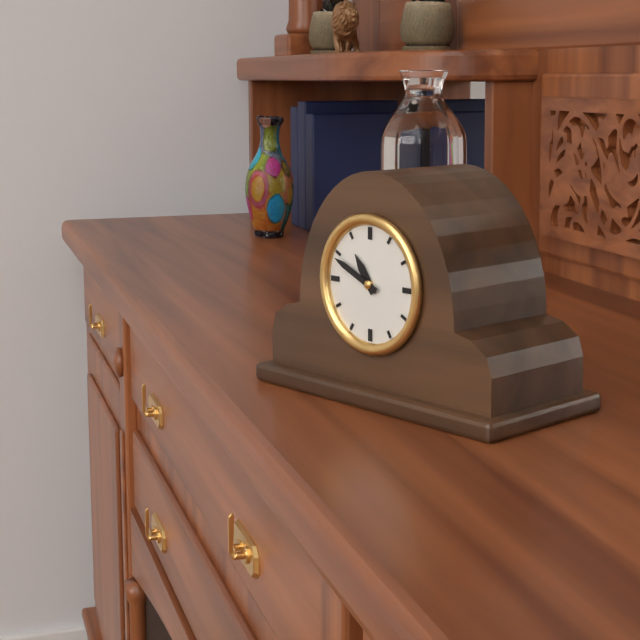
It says 10 h 49 min
